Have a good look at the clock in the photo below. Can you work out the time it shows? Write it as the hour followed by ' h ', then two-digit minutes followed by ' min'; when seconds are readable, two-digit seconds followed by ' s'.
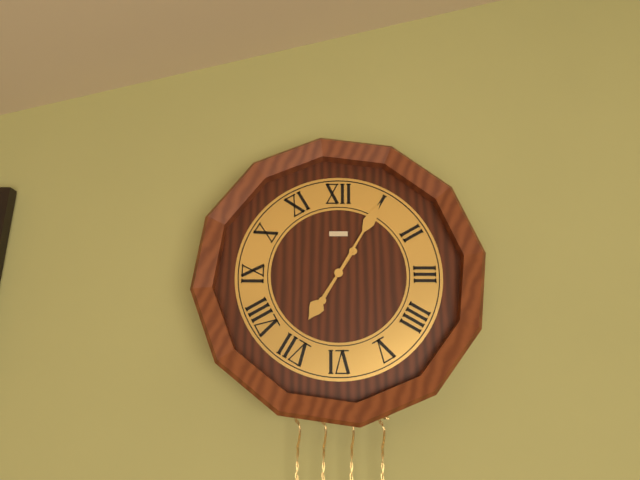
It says 7 h 05 min
